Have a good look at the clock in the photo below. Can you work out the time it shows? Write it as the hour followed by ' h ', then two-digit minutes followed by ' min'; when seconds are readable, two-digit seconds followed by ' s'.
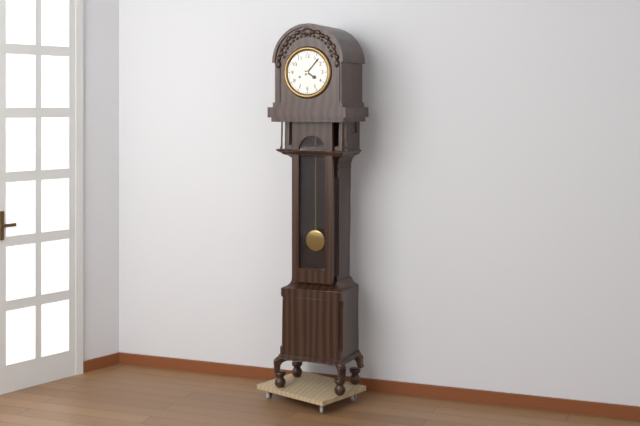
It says 4 h 07 min
